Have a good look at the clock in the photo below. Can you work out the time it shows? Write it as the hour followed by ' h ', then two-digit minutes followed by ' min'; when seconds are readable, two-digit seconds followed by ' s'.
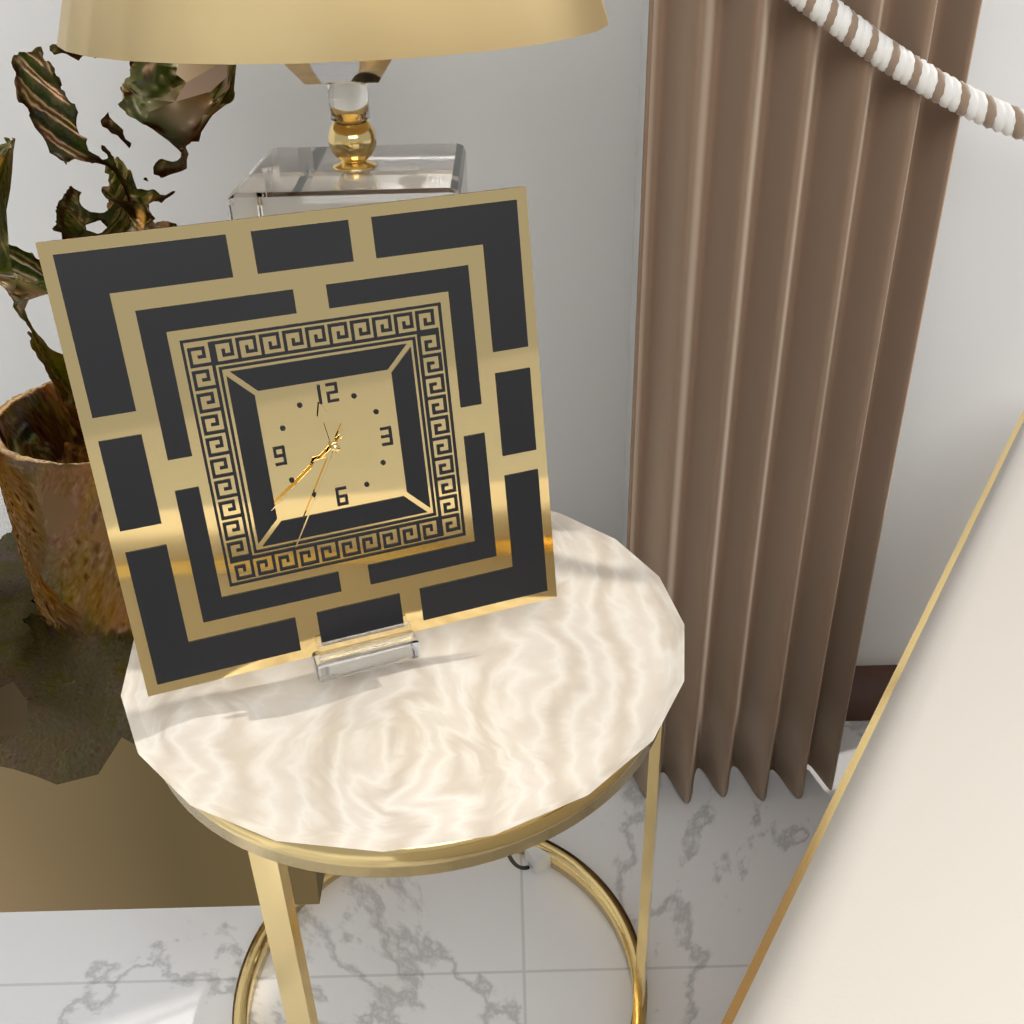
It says 11 h 39 min 35 s
